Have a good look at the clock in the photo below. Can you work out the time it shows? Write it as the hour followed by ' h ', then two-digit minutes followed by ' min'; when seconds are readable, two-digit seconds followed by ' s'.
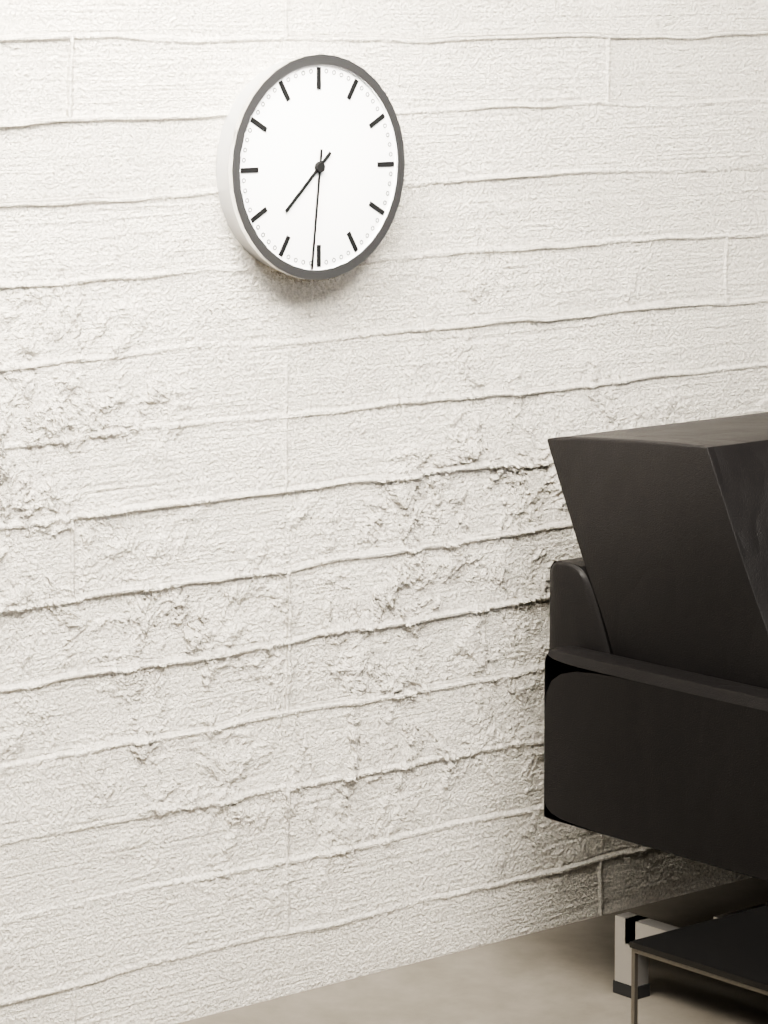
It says 7 h 31 min
